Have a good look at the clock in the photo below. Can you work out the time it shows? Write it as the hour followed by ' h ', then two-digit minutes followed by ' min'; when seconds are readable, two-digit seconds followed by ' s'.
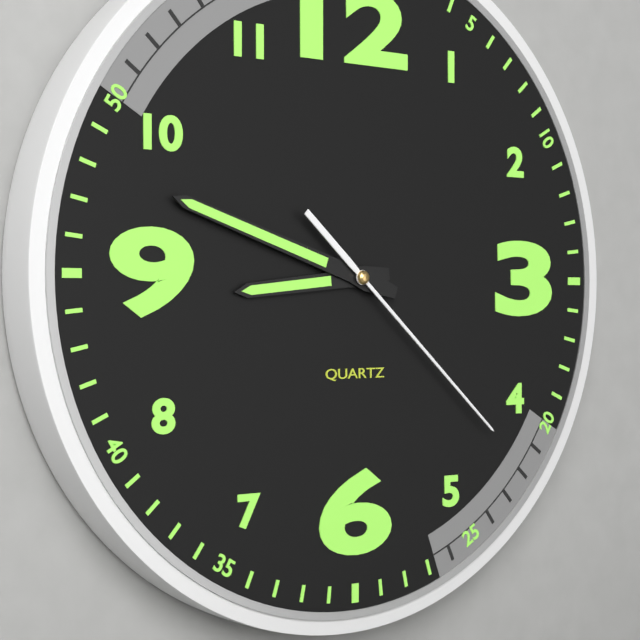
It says 8 h 48 min 22 s
